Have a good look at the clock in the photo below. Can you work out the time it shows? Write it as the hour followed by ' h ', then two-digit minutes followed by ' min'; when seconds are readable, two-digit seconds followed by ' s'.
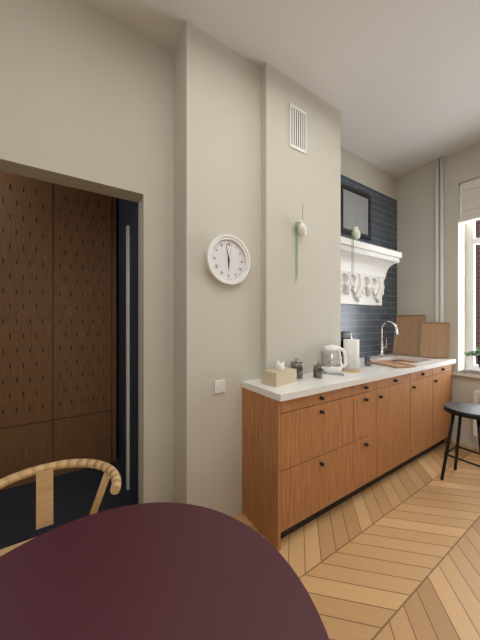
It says 5 h 58 min
